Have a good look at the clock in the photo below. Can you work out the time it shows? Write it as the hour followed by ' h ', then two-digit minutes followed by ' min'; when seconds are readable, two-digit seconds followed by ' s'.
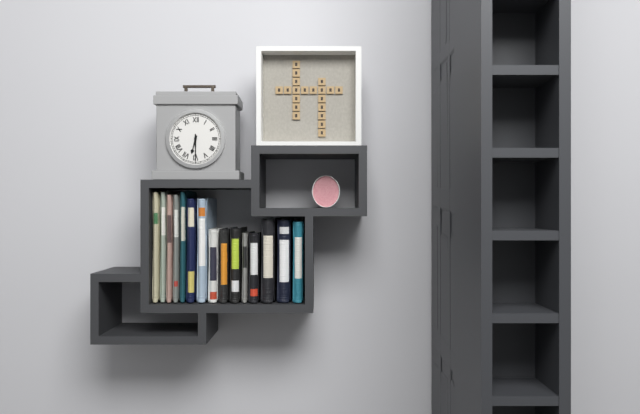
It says 6 h 30 min
